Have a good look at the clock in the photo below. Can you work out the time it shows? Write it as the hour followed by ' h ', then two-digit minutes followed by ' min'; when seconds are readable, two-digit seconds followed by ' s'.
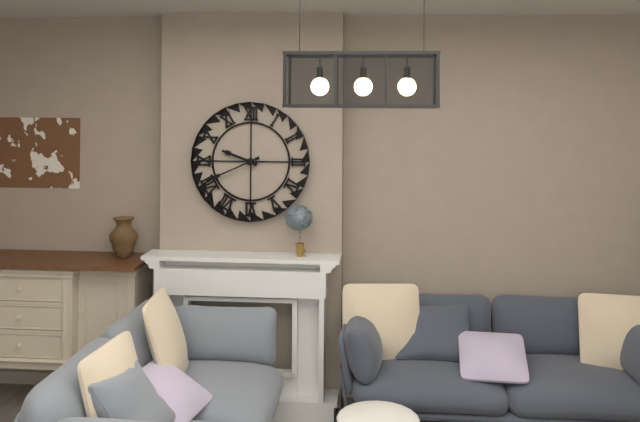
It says 9 h 41 min
